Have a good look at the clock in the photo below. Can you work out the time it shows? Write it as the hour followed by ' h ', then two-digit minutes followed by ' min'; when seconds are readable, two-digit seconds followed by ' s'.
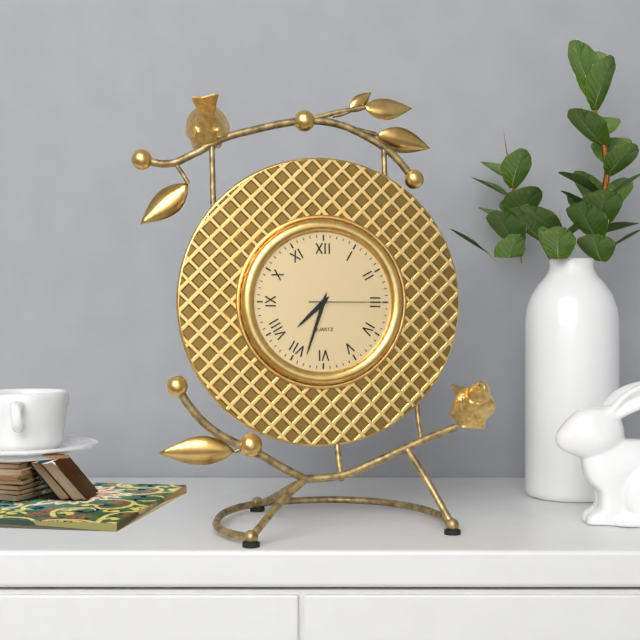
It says 7 h 33 min 15 s
